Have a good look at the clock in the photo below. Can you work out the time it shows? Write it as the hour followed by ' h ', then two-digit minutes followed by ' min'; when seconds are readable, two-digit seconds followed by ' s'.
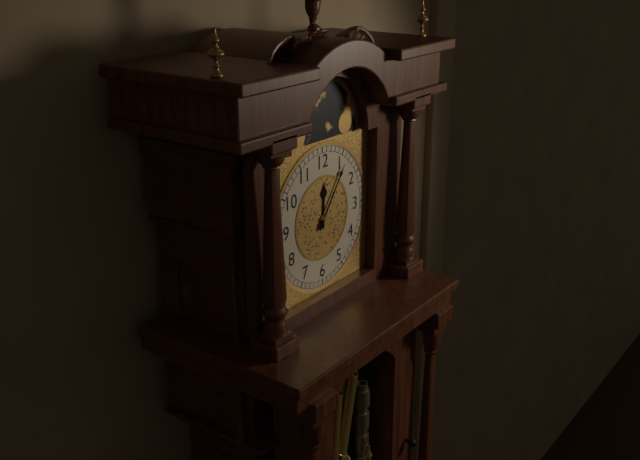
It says 12 h 06 min
